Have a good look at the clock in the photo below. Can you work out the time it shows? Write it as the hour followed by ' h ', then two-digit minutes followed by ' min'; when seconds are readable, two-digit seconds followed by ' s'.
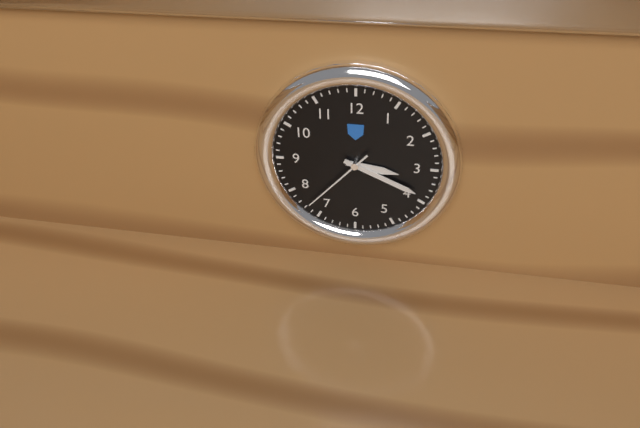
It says 3 h 19 min 37 s
